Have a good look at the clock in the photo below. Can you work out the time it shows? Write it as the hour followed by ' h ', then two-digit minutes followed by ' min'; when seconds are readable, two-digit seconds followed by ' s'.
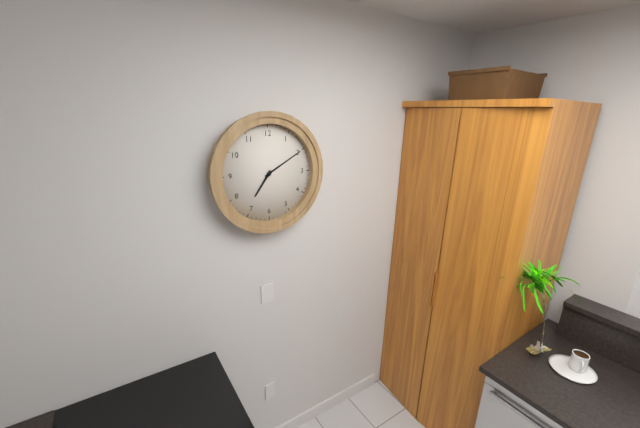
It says 7 h 10 min
